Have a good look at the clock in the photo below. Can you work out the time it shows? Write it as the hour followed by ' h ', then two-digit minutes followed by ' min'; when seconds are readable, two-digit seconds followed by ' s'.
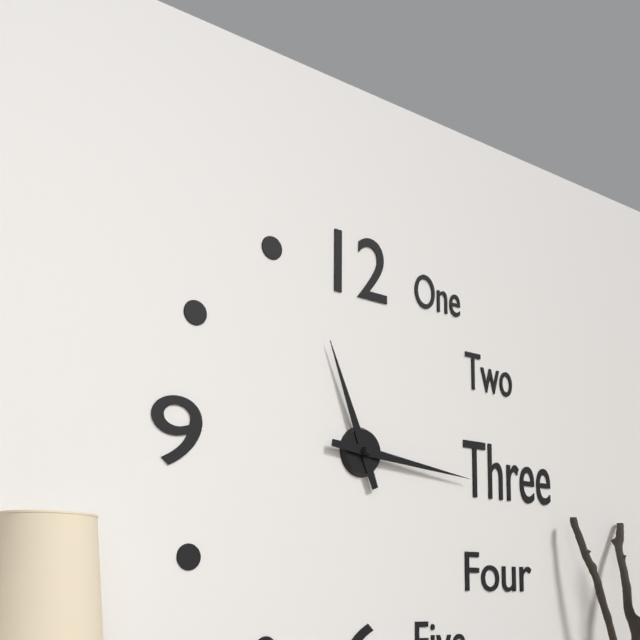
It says 11 h 16 min
